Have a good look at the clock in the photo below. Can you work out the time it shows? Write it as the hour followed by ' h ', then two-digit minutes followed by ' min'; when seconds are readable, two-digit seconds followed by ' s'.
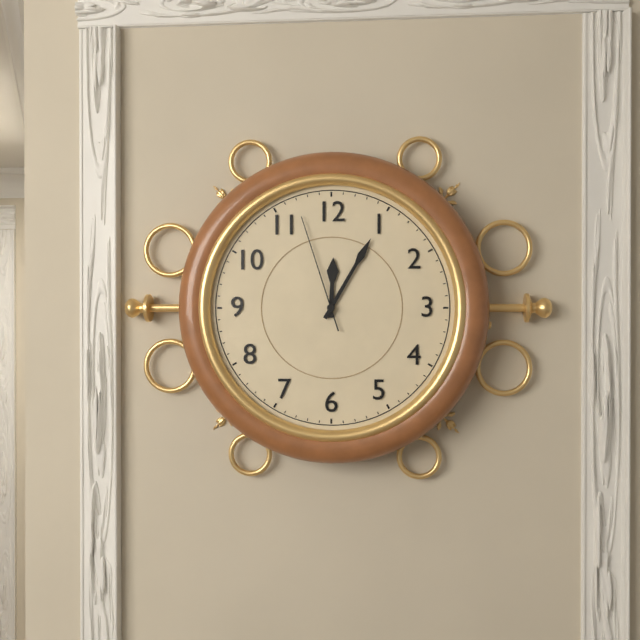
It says 12 h 05 min 57 s
